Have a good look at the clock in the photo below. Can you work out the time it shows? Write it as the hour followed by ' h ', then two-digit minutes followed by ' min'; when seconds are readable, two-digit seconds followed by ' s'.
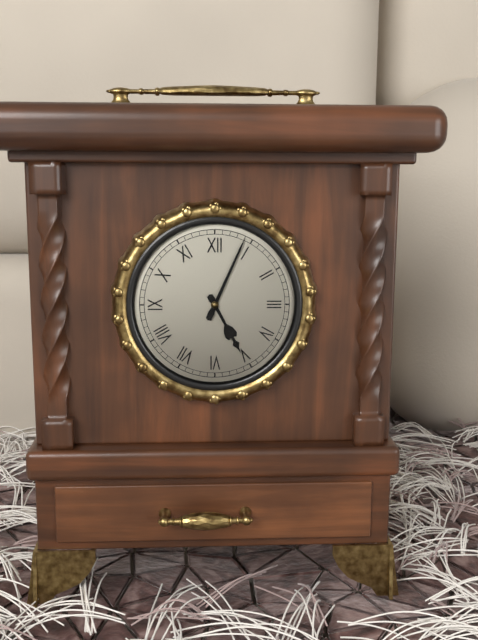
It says 5 h 04 min
